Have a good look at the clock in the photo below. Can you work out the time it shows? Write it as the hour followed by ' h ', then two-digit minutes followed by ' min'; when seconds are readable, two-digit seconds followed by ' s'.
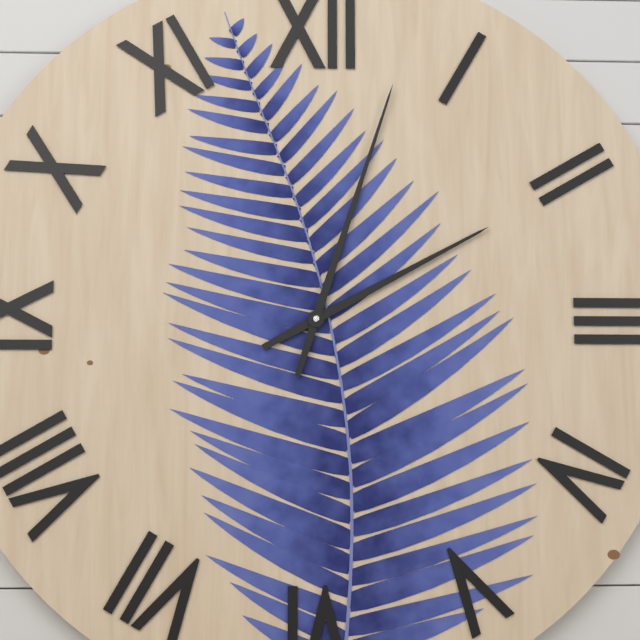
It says 2 h 03 min
